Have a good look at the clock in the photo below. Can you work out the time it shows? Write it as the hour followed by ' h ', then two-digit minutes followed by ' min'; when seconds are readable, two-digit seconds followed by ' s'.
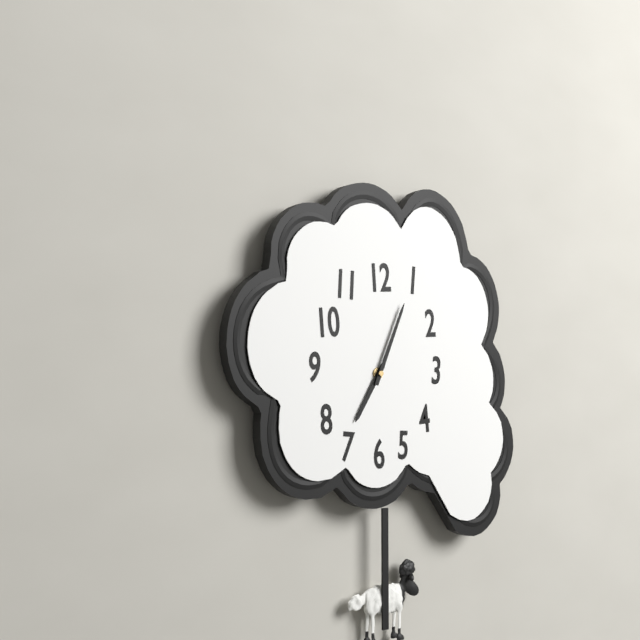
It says 7 h 04 min
